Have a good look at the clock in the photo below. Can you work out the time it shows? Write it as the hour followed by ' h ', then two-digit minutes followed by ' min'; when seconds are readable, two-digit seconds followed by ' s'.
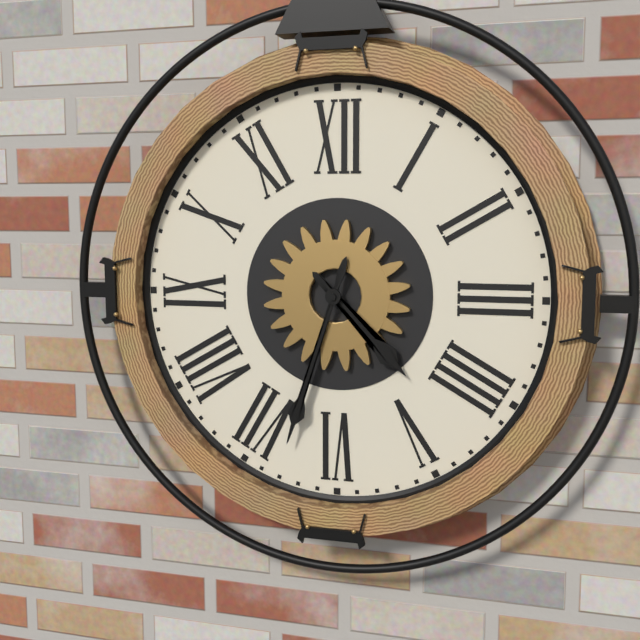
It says 4 h 33 min
